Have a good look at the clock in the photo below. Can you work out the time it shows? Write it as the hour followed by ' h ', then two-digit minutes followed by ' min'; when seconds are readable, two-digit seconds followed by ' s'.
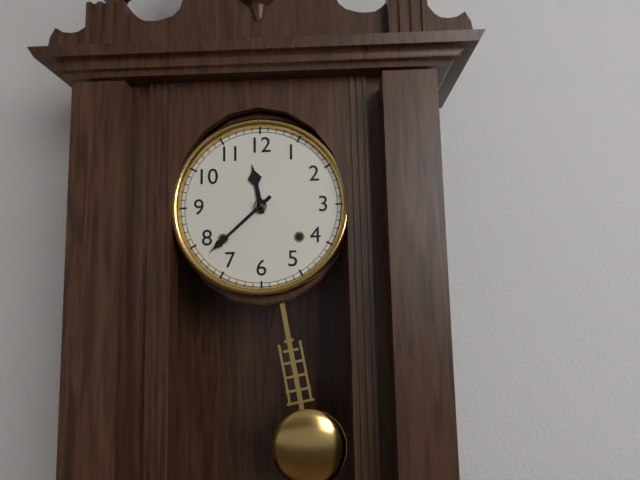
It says 11 h 38 min
